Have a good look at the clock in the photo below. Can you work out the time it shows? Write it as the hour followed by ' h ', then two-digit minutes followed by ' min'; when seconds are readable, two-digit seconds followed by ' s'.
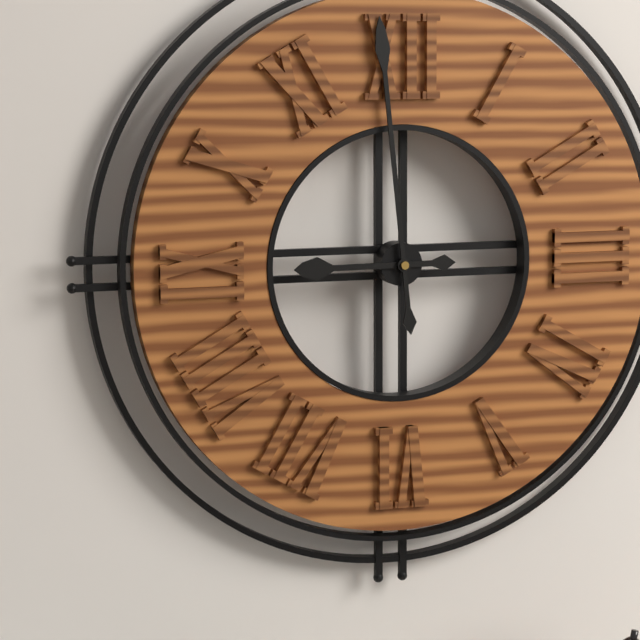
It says 8 h 59 min
